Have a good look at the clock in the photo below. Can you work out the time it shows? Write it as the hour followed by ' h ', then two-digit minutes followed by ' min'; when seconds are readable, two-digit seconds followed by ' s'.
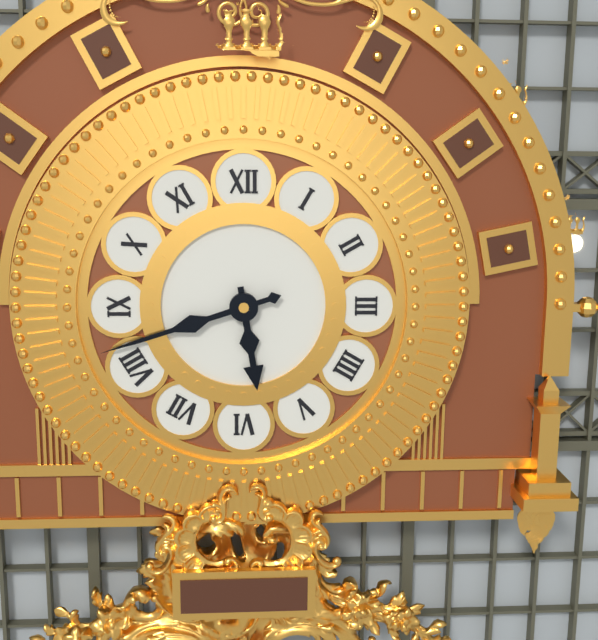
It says 5 h 42 min
